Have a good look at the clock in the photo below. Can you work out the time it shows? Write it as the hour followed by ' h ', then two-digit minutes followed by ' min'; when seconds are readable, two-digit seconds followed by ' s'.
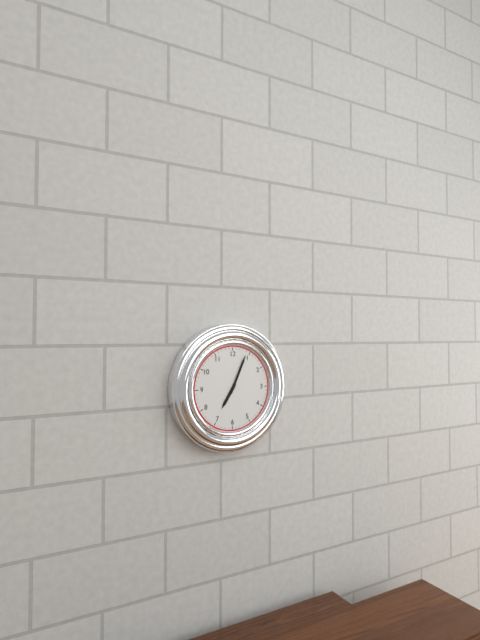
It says 7 h 04 min
